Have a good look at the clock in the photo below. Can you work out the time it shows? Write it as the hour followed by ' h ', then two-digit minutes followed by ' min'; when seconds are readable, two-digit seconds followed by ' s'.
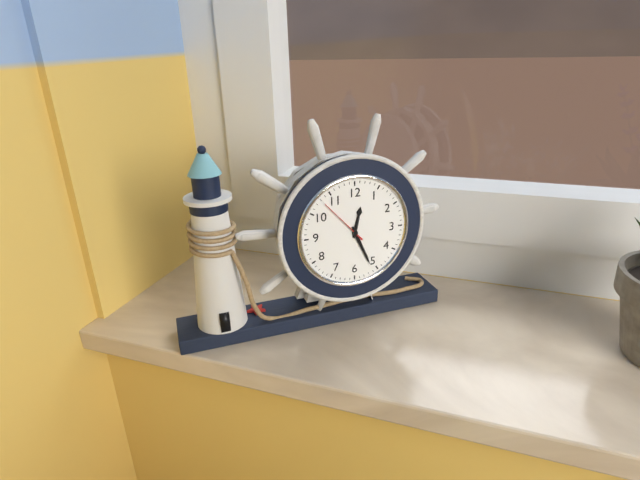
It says 12 h 26 min 53 s
